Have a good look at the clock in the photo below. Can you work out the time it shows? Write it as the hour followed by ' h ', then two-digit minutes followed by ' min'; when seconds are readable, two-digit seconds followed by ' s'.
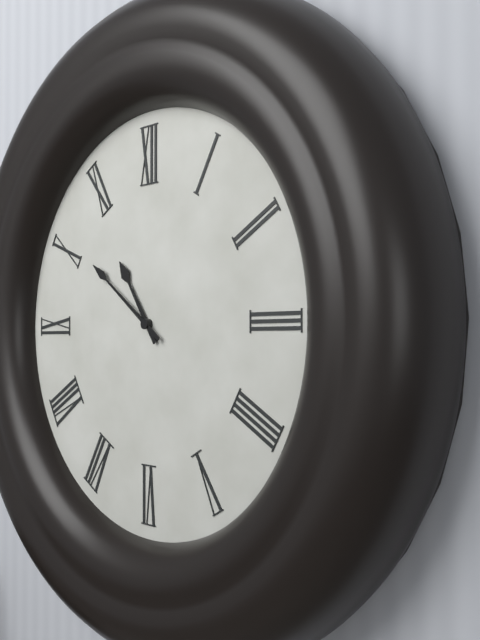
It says 10 h 51 min
